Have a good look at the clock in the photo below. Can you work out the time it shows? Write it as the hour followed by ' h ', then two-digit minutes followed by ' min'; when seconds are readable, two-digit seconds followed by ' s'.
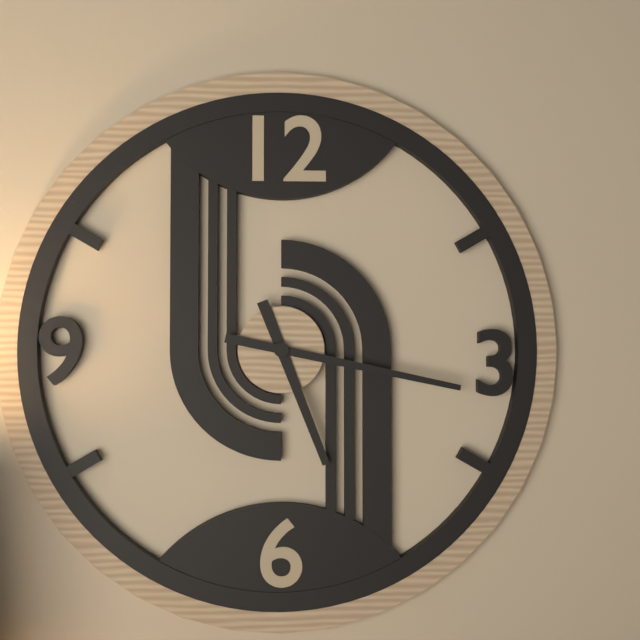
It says 5 h 17 min
